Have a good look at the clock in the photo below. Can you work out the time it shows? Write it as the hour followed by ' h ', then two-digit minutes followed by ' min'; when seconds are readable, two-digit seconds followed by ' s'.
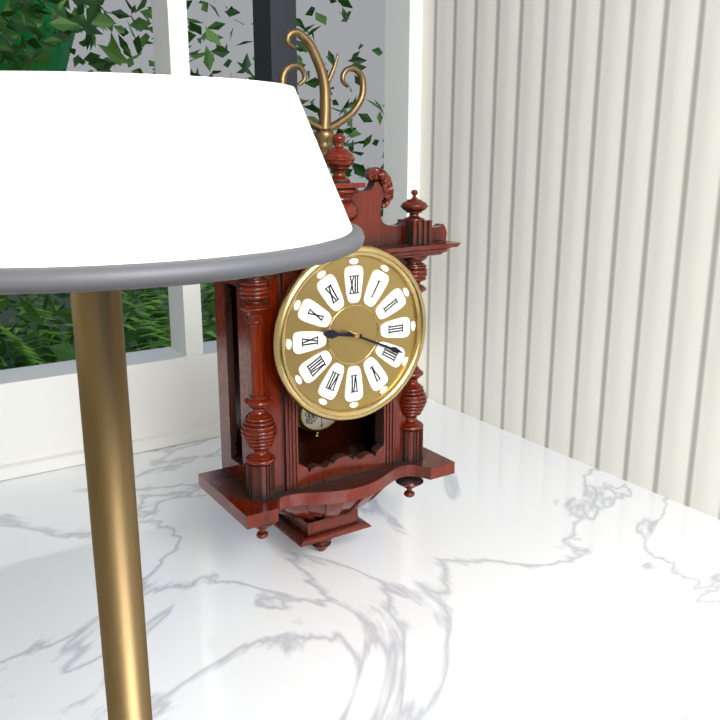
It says 9 h 19 min
